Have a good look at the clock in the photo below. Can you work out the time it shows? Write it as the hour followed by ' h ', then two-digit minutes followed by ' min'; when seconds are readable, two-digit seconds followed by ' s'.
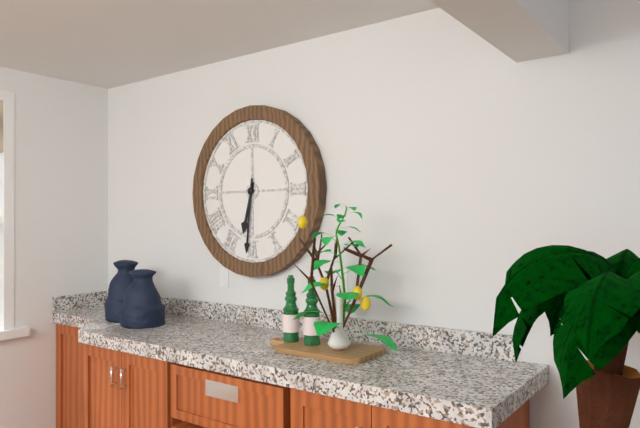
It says 6 h 31 min
